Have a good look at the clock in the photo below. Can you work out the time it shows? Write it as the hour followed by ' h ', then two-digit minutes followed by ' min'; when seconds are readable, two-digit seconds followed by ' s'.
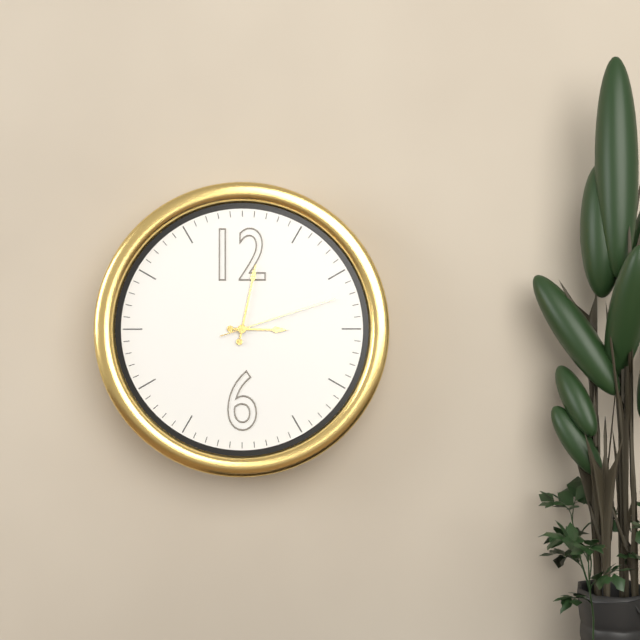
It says 3 h 02 min 12 s
